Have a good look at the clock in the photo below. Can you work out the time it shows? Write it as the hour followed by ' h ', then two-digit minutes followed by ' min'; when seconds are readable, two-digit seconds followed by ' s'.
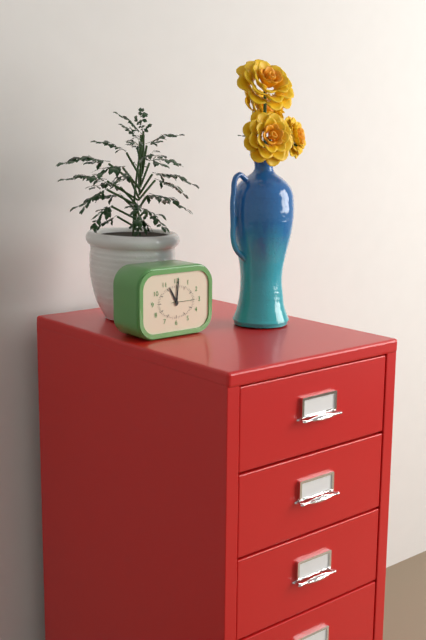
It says 11 h 01 min
